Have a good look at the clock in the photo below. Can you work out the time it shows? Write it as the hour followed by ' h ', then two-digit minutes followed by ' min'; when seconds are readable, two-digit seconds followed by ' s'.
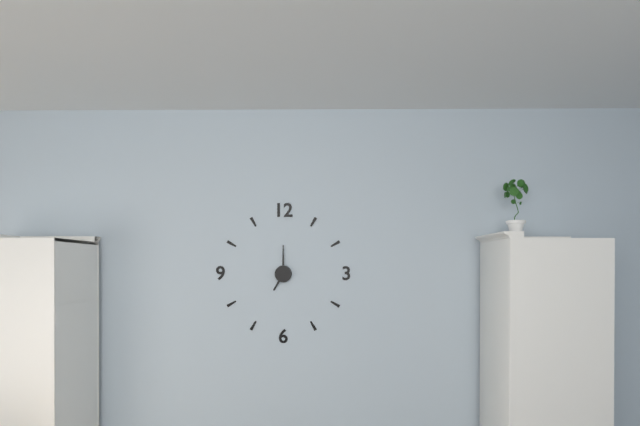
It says 7 h 00 min
